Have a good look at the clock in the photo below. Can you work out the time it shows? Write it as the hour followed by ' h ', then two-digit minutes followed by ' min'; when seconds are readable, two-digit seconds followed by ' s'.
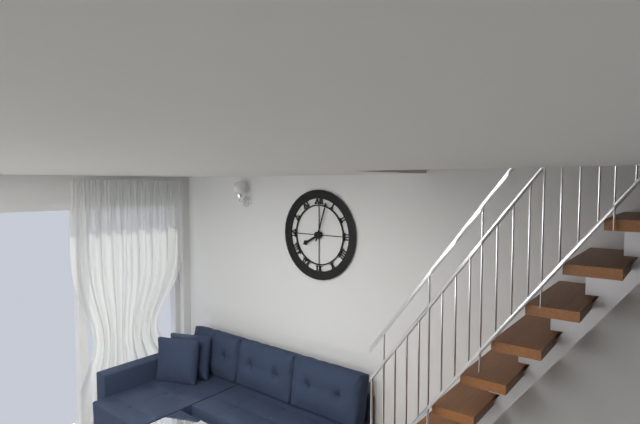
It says 8 h 03 min
